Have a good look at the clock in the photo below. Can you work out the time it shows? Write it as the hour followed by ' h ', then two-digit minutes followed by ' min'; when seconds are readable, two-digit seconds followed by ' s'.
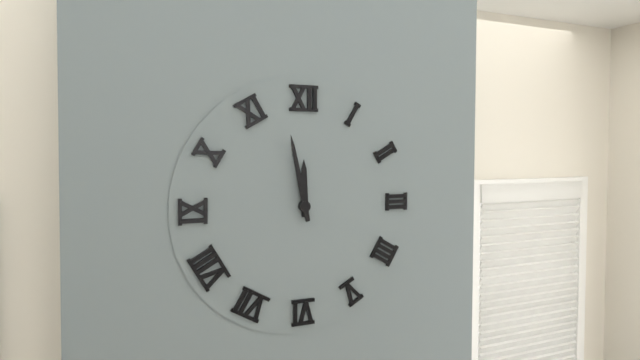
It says 11 h 58 min
